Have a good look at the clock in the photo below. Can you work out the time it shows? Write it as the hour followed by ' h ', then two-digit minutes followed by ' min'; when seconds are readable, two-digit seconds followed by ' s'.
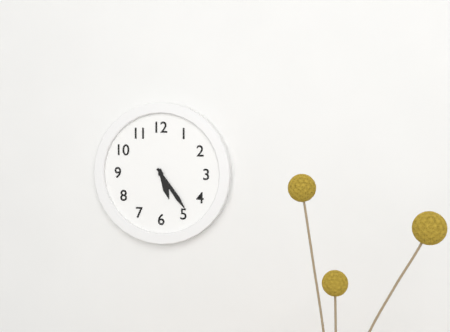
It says 5 h 24 min
